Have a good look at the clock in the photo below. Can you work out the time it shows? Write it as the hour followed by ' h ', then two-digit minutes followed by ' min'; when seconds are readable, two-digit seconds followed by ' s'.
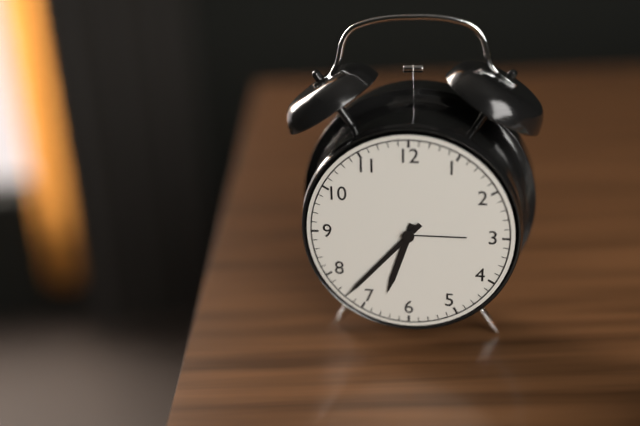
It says 6 h 37 min
